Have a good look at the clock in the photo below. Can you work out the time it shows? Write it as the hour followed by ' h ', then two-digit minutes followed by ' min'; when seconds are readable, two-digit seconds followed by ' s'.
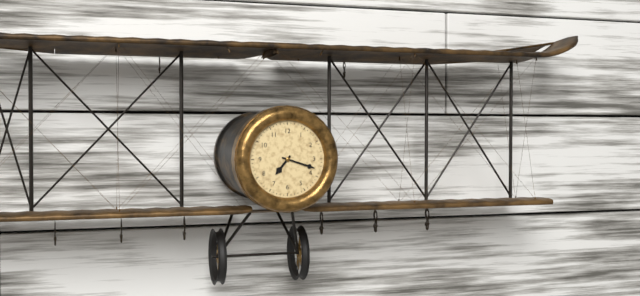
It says 7 h 18 min
